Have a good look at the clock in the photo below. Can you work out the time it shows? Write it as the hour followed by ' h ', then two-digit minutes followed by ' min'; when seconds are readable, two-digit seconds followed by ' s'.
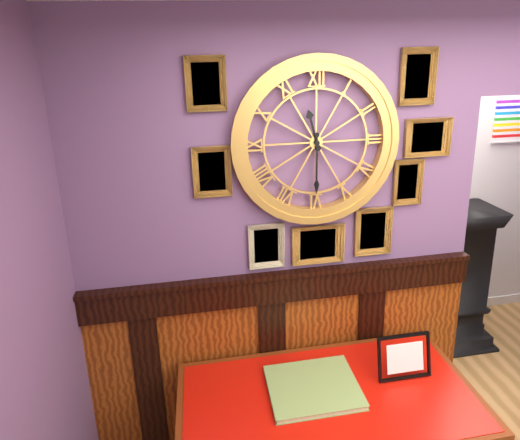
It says 11 h 30 min
